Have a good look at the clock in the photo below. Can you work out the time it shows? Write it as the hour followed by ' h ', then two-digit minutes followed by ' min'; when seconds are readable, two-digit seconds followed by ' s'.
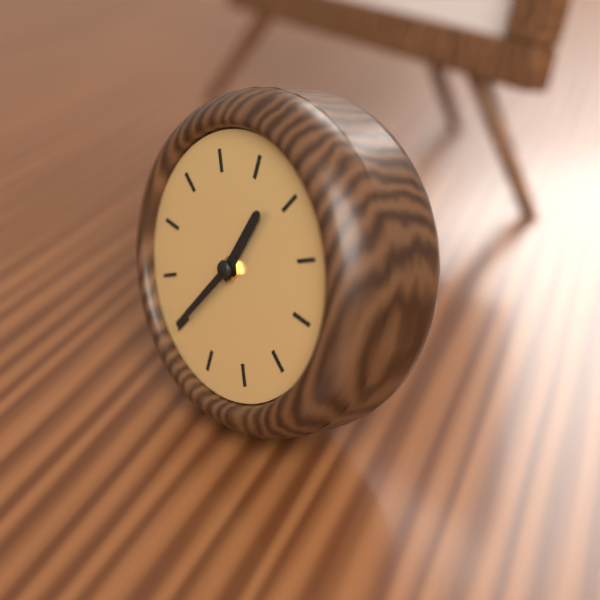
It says 12 h 35 min
